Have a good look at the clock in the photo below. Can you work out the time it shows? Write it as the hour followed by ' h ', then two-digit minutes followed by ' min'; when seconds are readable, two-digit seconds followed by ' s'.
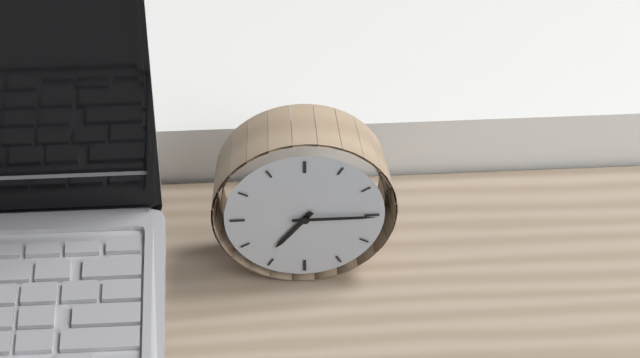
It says 7 h 15 min
